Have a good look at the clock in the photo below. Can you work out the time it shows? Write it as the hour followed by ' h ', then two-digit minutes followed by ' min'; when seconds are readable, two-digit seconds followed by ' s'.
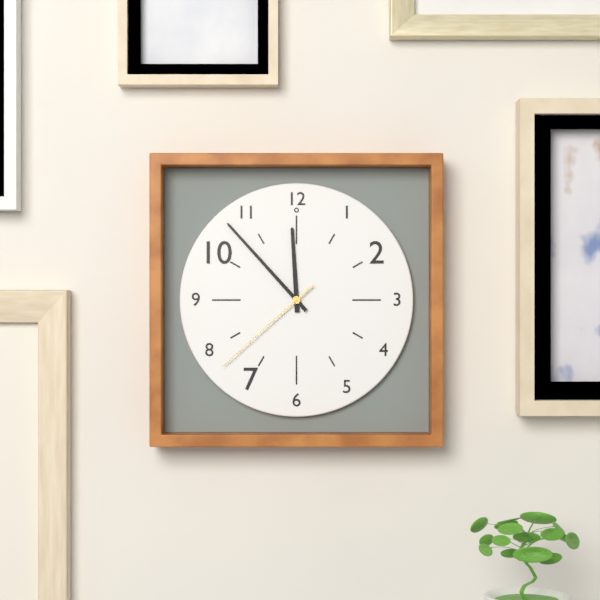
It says 11 h 53 min 38 s
